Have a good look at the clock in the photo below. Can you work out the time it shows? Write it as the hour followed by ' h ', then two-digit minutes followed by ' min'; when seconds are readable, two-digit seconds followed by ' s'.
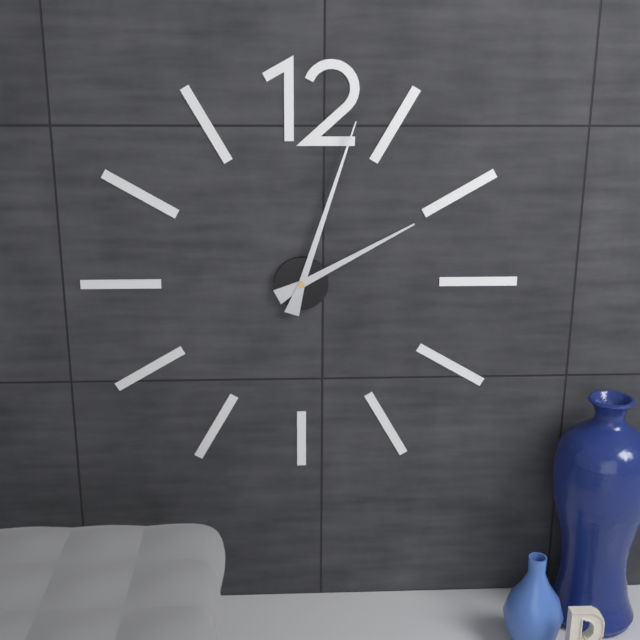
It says 2 h 03 min
